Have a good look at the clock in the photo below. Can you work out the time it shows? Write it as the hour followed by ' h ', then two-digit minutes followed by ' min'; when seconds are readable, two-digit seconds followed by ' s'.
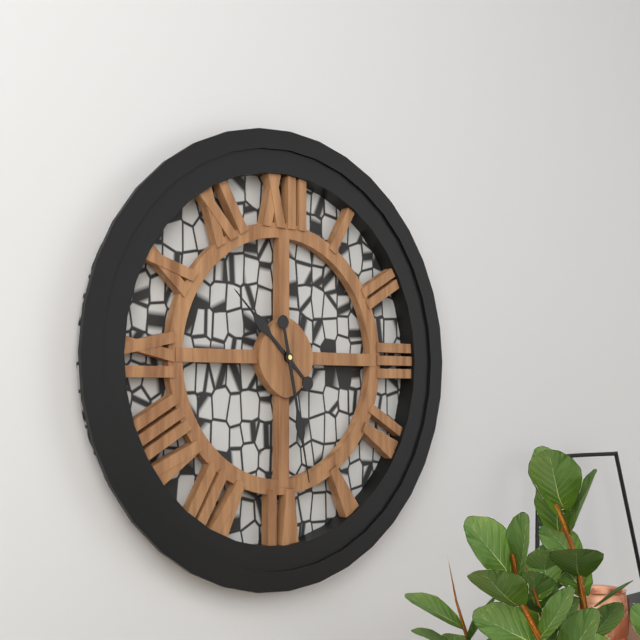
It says 10 h 28 min
